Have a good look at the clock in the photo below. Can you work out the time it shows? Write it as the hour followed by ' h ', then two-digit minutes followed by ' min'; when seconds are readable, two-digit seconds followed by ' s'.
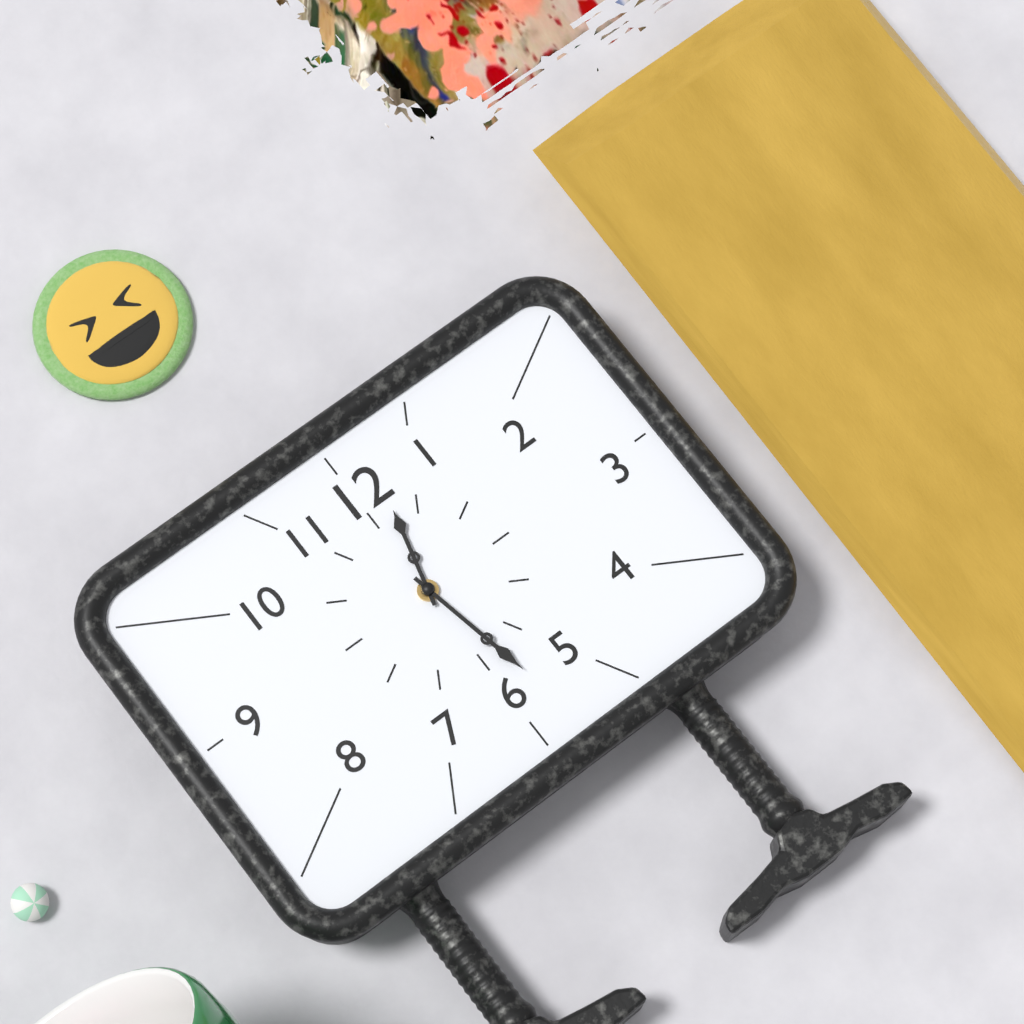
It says 12 h 28 min
